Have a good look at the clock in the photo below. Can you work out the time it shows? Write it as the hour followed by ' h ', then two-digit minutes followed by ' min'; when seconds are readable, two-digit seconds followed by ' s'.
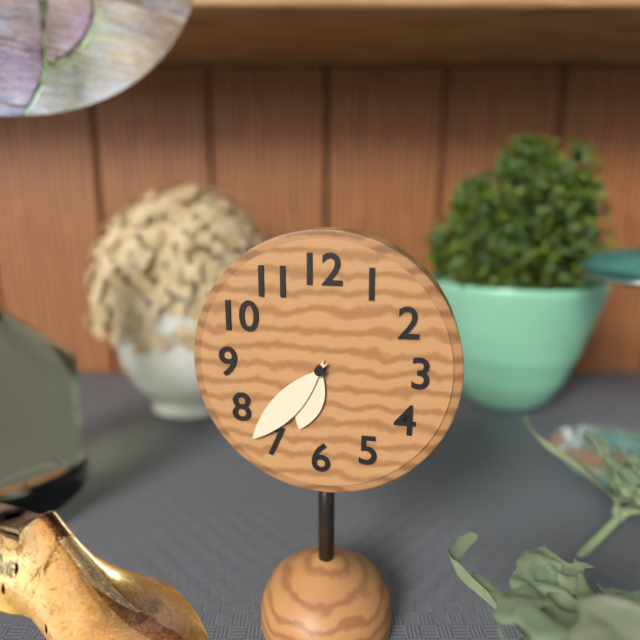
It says 6 h 37 min
